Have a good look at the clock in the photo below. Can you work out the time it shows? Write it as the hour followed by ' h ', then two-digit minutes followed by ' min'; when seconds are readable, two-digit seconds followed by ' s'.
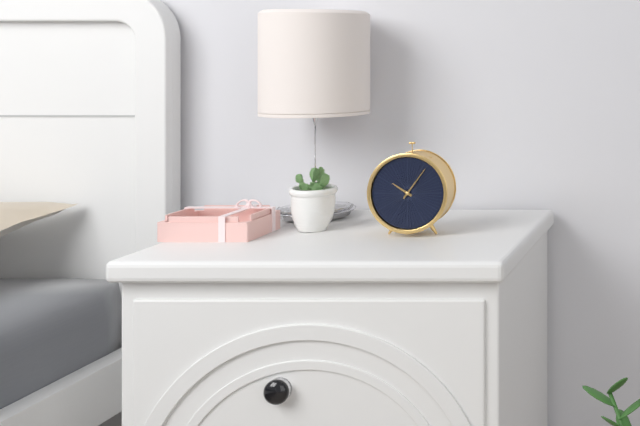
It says 10 h 06 min
